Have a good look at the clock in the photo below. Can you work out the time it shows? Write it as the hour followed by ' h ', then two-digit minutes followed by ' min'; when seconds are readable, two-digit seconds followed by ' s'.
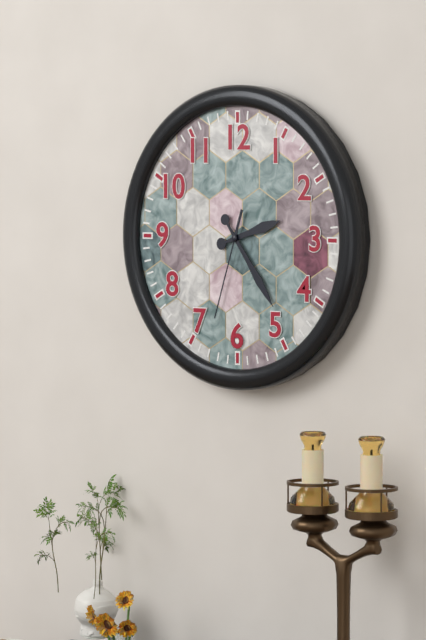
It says 2 h 24 min 33 s
